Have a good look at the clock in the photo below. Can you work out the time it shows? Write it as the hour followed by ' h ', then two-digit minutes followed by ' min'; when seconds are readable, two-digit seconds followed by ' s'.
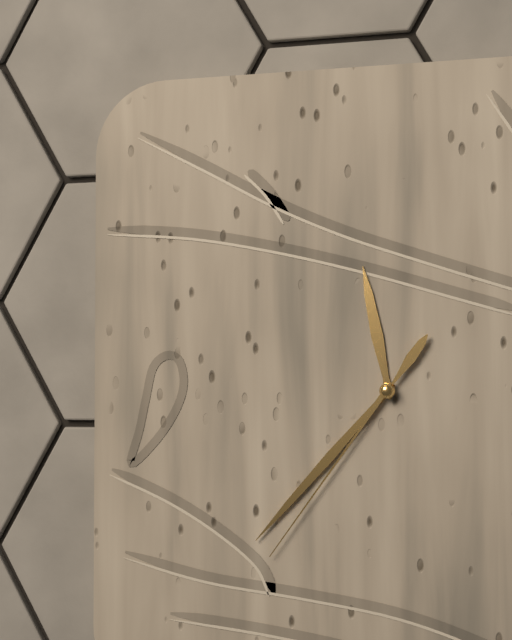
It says 11 h 37 min 36 s
